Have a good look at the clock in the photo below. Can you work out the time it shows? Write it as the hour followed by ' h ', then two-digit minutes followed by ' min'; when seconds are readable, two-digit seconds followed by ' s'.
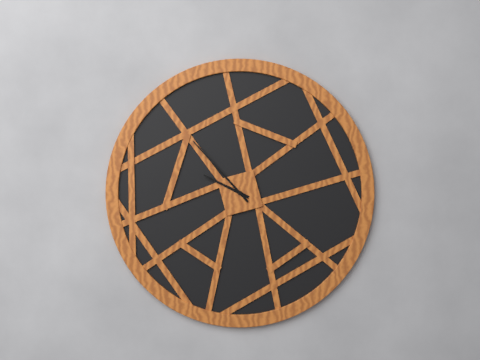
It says 9 h 53 min
